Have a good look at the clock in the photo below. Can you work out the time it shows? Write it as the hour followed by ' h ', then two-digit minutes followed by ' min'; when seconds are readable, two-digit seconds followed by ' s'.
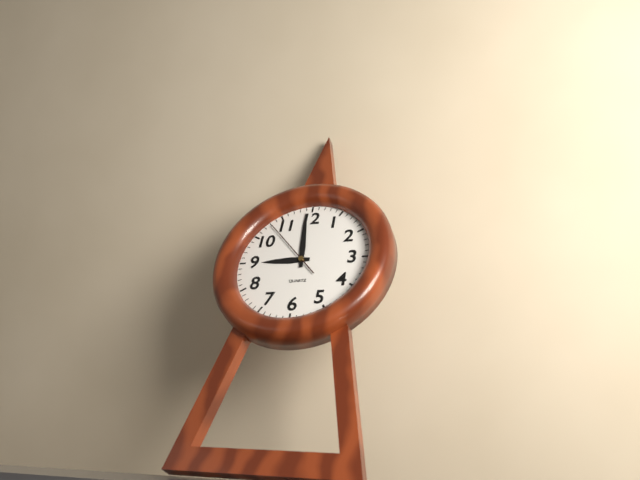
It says 8 h 59 min 53 s
